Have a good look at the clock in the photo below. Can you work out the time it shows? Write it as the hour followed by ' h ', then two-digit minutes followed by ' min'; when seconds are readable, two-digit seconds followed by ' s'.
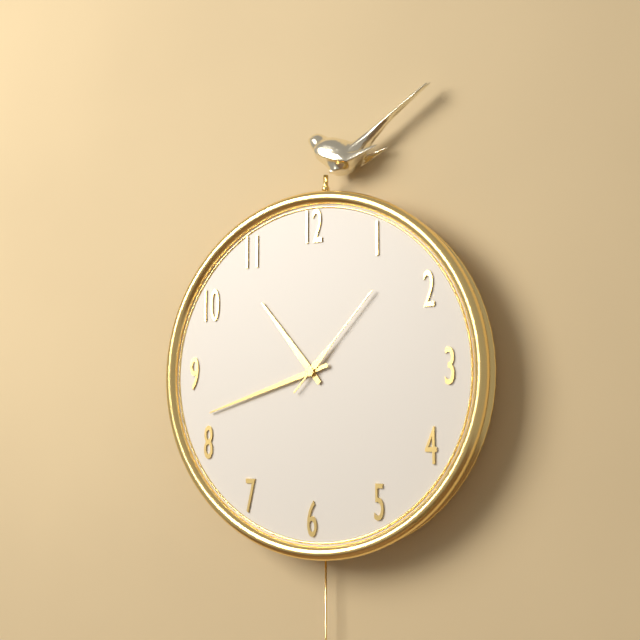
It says 10 h 42 min 07 s
